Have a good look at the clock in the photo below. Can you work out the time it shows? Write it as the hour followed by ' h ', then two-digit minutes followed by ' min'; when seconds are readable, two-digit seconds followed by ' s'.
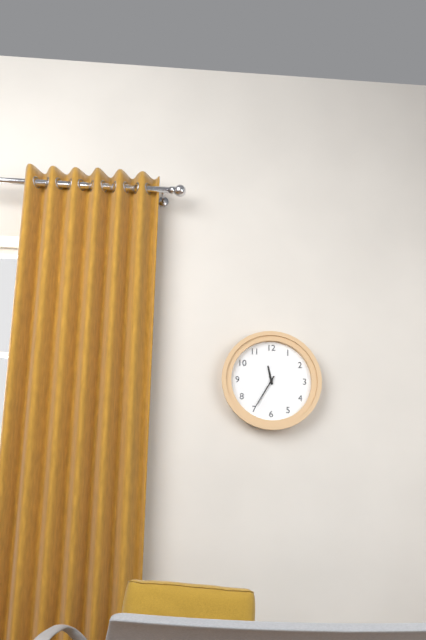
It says 11 h 35 min
